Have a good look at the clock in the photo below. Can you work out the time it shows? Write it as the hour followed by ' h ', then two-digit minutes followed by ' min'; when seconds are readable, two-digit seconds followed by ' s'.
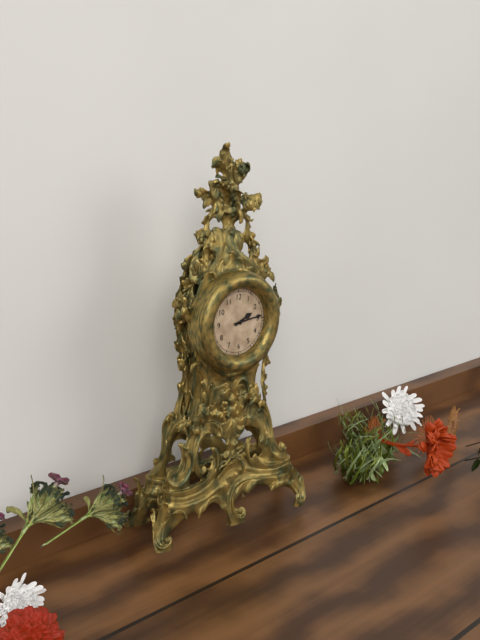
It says 2 h 14 min
